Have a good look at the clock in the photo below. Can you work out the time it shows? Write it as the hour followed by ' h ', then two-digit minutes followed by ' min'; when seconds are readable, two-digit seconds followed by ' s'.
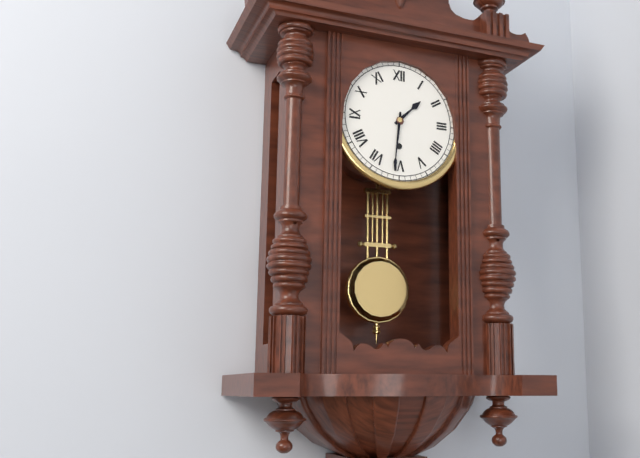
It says 1 h 31 min
